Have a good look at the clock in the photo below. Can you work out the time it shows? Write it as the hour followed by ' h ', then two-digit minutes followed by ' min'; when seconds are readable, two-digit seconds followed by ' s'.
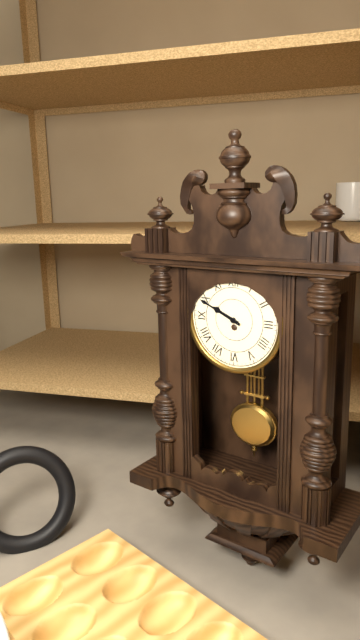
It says 9 h 49 min
